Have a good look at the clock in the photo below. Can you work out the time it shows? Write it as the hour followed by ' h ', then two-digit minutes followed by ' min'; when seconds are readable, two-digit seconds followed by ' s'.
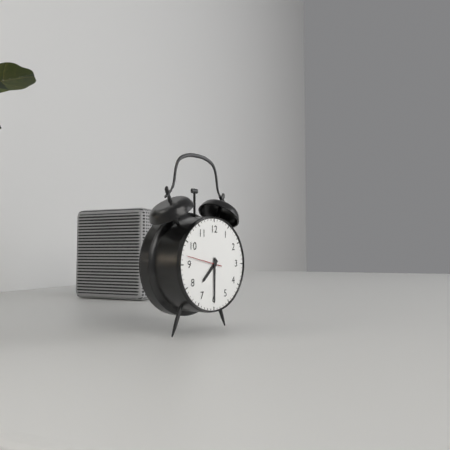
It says 7 h 30 min
